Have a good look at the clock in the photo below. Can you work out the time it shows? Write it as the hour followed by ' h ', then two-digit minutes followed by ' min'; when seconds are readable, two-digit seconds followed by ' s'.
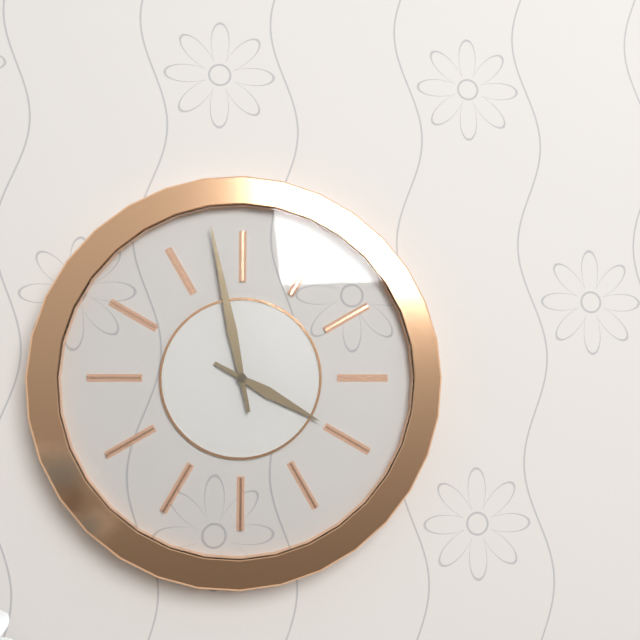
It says 3 h 58 min
